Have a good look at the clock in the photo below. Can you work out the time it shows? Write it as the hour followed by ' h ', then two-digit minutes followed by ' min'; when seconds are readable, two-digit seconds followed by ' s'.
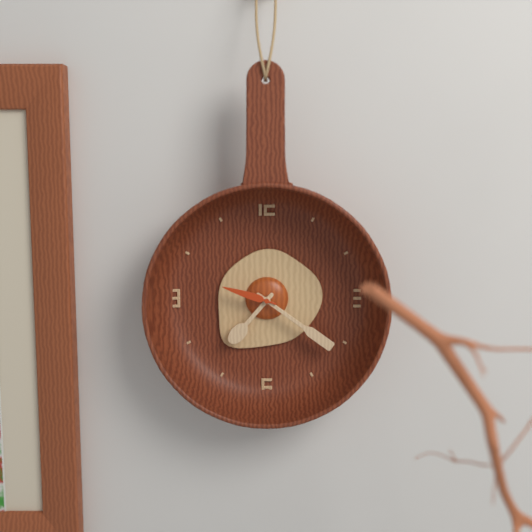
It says 7 h 21 min 48 s
